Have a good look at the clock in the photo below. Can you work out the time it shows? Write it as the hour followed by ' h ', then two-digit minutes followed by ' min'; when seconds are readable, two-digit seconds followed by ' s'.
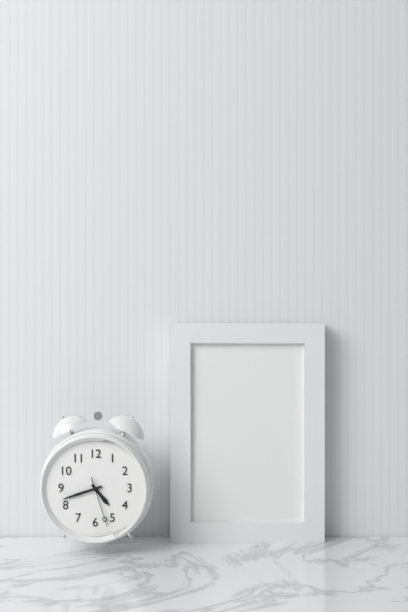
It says 4 h 42 min
